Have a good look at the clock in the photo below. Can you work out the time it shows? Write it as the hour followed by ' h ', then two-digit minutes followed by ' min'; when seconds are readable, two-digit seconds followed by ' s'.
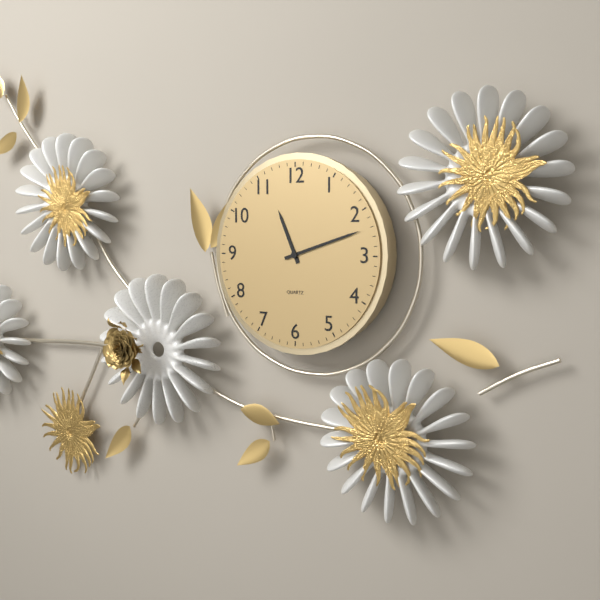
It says 11 h 12 min
